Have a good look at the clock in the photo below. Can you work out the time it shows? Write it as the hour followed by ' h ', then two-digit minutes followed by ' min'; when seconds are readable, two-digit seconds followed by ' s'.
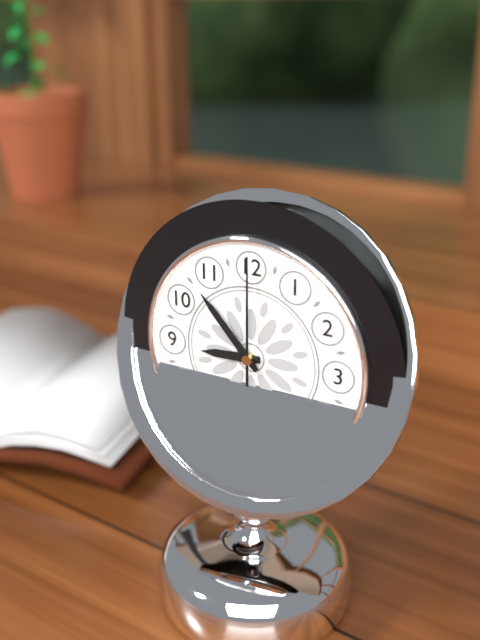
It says 8 h 53 min 00 s
